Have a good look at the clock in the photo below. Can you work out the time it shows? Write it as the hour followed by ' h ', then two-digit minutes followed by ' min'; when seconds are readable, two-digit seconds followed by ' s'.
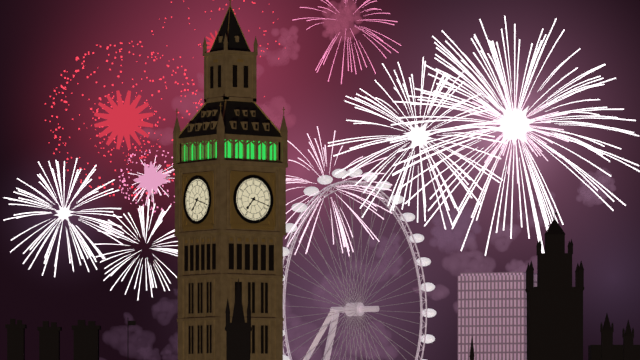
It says 7 h 18 min
